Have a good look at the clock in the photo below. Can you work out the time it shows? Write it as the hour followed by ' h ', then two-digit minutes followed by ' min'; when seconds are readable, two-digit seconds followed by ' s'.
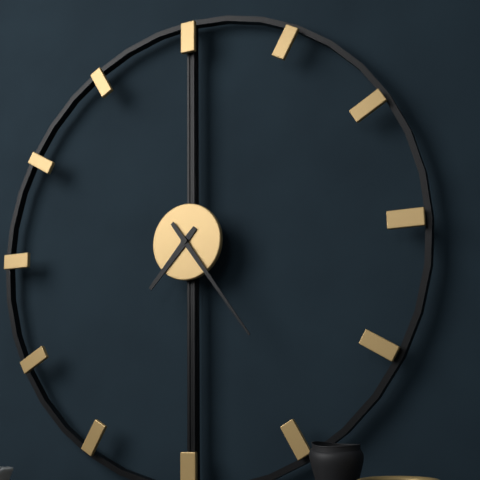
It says 7 h 24 min
